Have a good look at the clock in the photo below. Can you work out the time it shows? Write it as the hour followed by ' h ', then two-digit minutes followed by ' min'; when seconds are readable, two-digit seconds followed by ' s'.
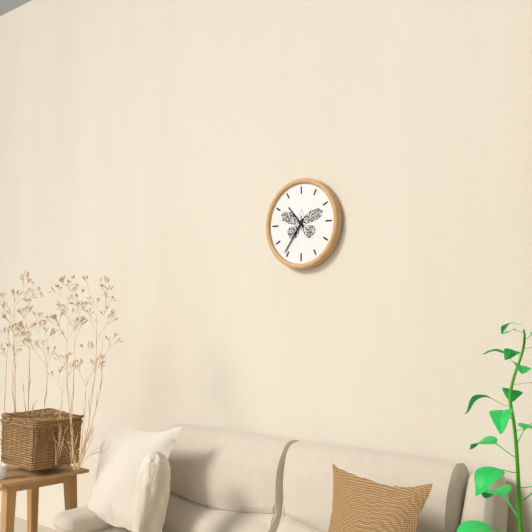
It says 10 h 36 min
